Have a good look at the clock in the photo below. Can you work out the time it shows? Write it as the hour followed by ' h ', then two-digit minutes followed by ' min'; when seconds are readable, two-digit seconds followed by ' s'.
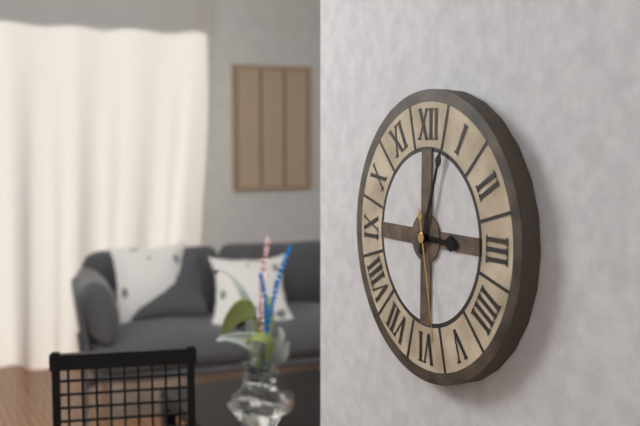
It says 3 h 03 min 28 s
